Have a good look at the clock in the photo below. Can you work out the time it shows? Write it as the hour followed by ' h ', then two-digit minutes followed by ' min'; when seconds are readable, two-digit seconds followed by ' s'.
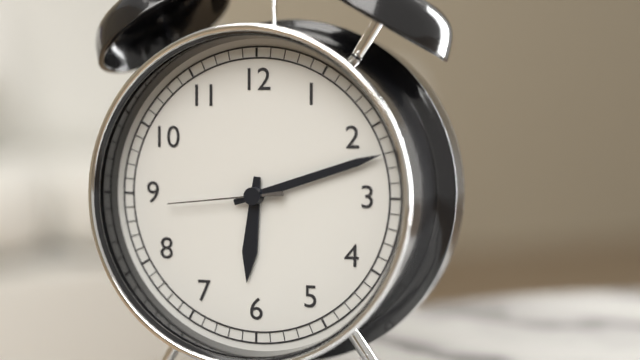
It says 6 h 12 min 44 s
